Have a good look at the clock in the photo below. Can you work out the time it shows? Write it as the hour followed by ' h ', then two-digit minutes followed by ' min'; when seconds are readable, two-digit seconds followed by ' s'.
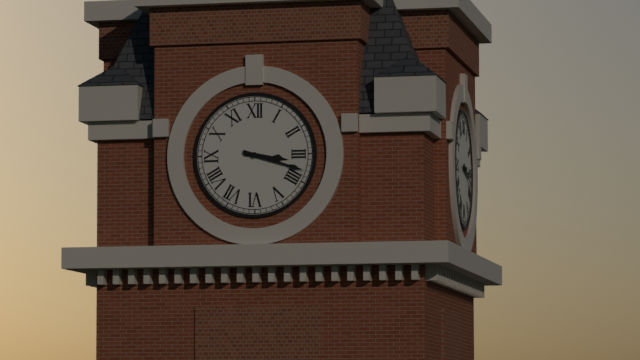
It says 3 h 18 min
